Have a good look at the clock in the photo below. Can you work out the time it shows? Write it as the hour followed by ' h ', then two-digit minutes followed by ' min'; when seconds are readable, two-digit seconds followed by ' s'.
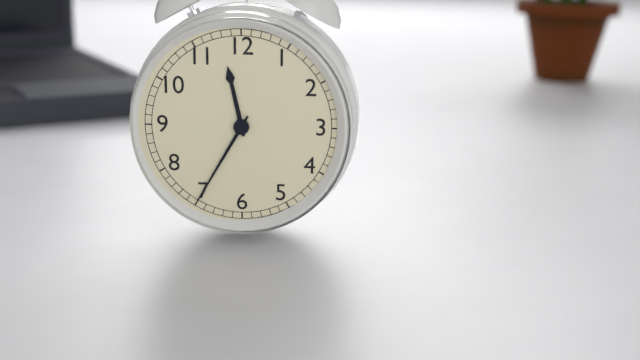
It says 11 h 35 min
